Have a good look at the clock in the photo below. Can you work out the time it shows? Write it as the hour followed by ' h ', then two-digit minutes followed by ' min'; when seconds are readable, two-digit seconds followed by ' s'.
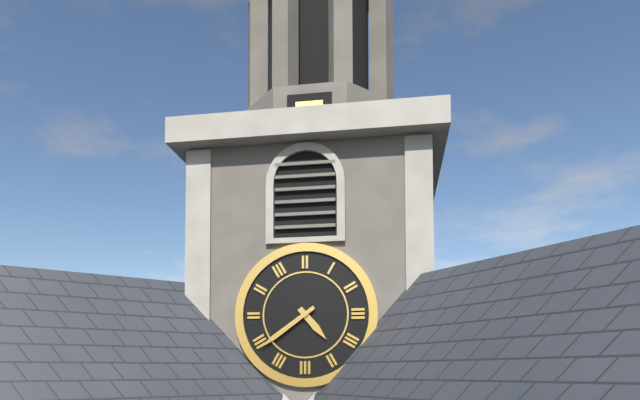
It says 4 h 39 min
